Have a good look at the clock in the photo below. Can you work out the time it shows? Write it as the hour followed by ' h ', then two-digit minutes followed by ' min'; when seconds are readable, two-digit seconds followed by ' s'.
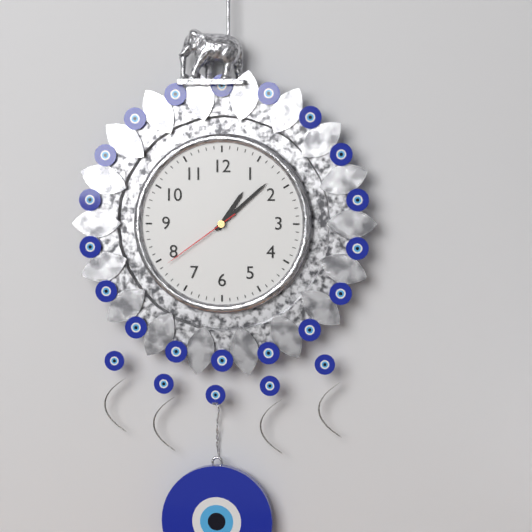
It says 1 h 08 min 39 s
